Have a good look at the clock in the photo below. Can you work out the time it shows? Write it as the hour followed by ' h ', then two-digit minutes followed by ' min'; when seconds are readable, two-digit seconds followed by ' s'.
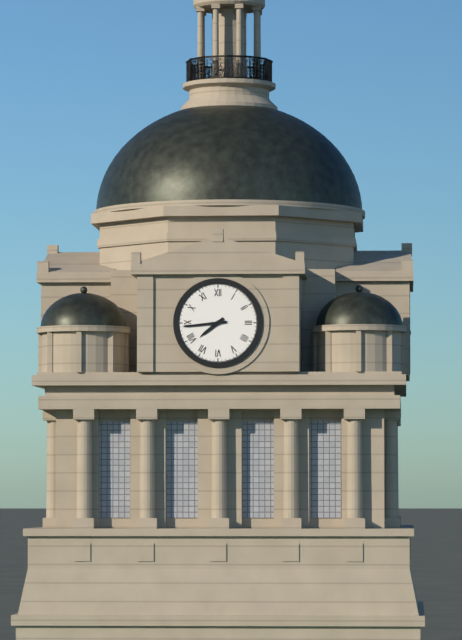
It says 7 h 44 min
